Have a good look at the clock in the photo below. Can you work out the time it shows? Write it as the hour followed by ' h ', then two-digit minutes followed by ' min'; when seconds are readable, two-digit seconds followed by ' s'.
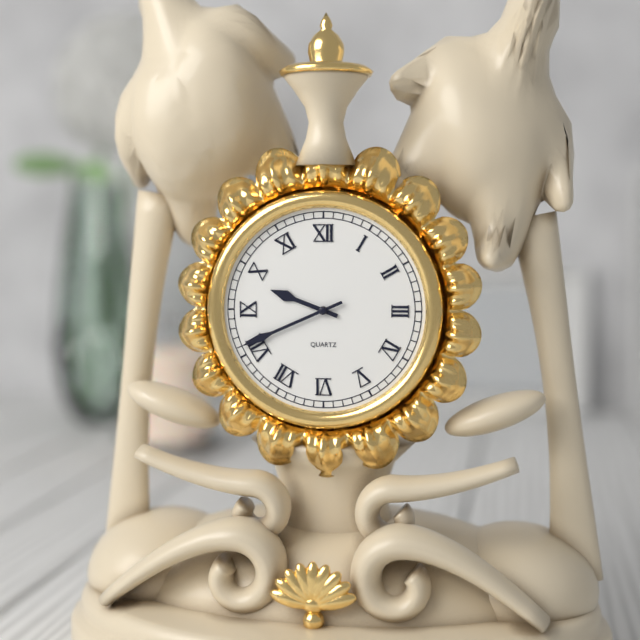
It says 9 h 41 min
